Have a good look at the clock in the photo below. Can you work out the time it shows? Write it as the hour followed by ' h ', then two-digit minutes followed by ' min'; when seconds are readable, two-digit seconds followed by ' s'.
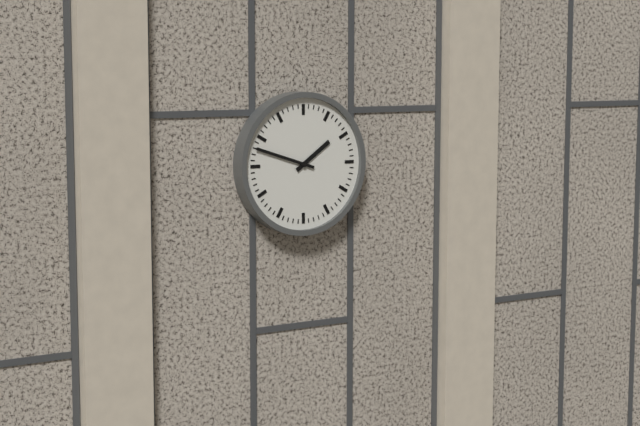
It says 1 h 48 min
